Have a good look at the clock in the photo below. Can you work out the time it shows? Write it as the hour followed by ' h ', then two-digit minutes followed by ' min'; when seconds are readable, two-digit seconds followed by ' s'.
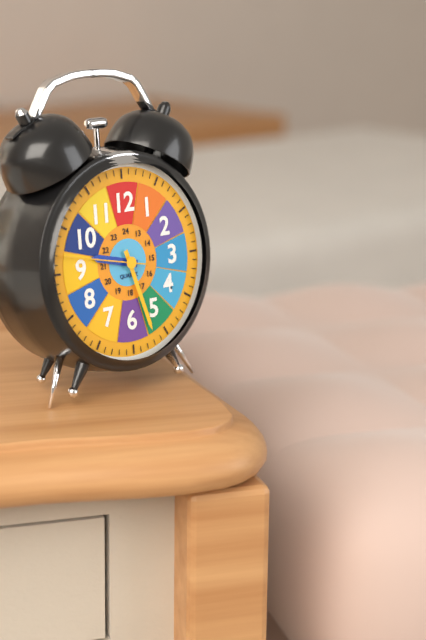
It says 9 h 27 min 47 s
